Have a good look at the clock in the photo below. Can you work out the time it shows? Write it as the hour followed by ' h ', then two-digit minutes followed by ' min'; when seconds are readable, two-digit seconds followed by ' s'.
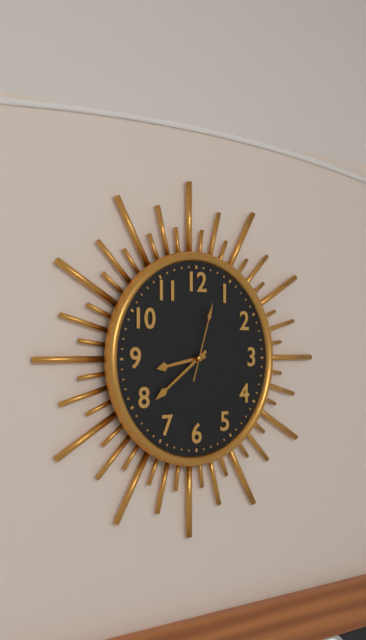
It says 8 h 39 min 03 s
